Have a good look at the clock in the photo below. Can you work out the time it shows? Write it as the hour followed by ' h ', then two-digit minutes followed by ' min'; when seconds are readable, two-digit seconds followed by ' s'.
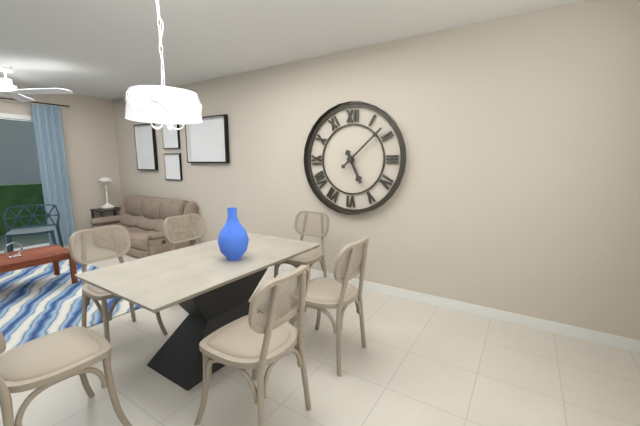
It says 5 h 08 min
